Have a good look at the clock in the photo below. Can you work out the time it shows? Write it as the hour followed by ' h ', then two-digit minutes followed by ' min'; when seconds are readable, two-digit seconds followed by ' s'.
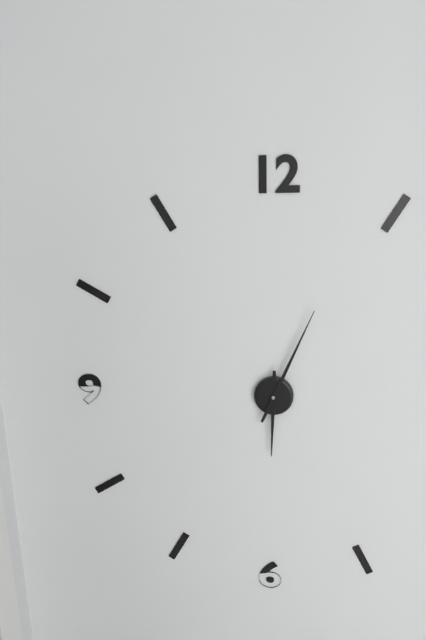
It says 6 h 04 min
